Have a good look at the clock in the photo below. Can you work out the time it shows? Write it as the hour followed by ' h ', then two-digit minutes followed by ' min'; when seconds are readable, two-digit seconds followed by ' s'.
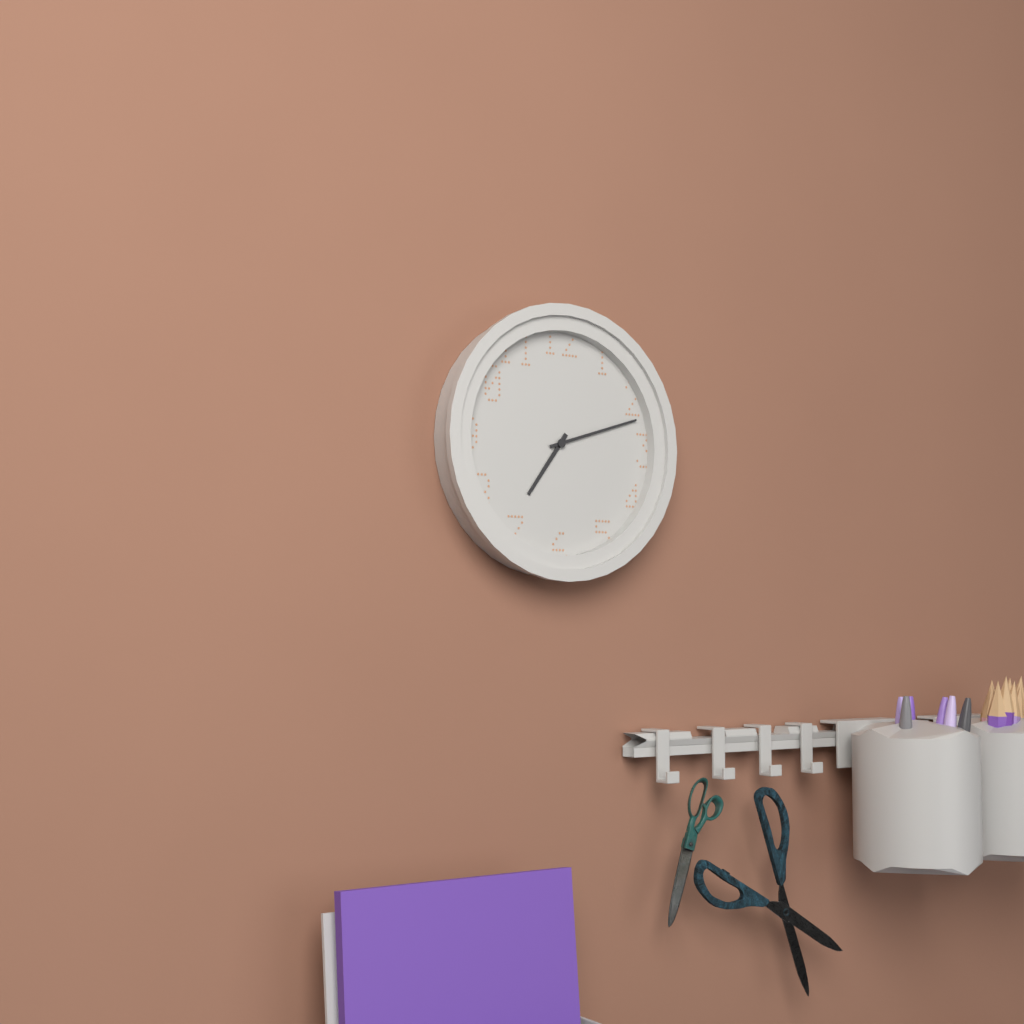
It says 7 h 12 min
